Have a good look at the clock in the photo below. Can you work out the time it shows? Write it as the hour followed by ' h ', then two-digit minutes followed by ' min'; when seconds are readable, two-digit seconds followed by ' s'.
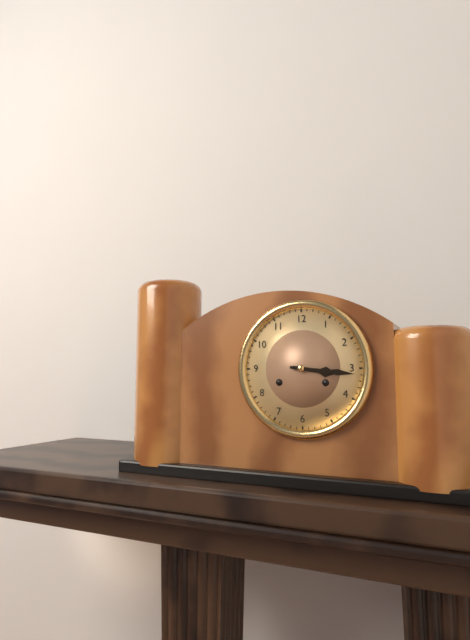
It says 3 h 16 min
